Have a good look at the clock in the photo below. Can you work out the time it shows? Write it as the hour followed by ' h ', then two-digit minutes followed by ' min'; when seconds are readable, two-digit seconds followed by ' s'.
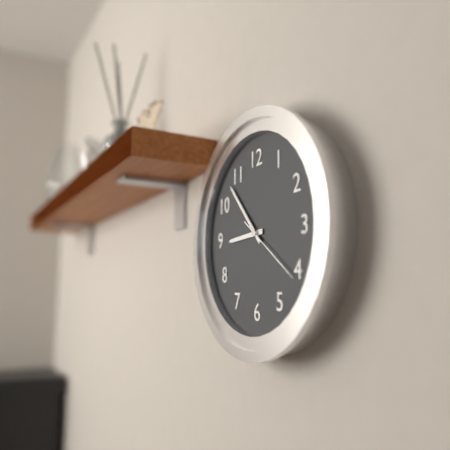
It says 8 h 53 min 21 s
